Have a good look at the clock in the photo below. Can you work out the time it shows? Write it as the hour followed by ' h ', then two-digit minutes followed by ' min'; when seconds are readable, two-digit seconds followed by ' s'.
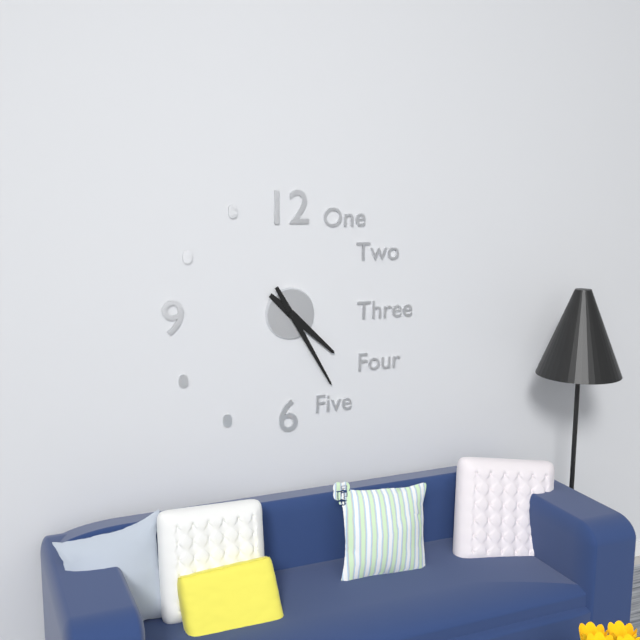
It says 4 h 25 min
